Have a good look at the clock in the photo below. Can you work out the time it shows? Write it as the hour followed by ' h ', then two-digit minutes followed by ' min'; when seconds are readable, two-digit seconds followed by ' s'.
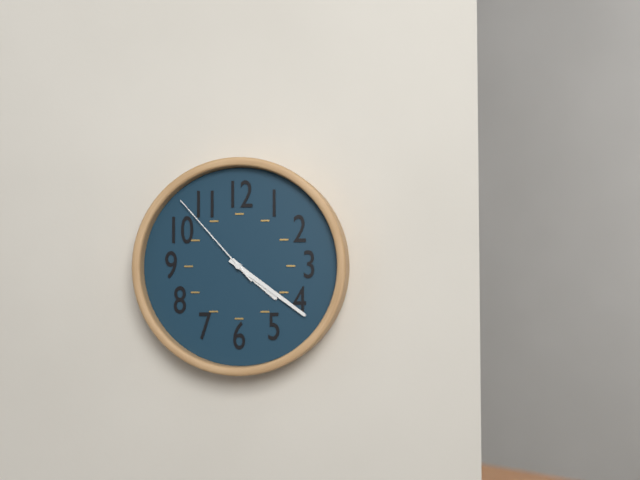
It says 4 h 21 min 53 s
